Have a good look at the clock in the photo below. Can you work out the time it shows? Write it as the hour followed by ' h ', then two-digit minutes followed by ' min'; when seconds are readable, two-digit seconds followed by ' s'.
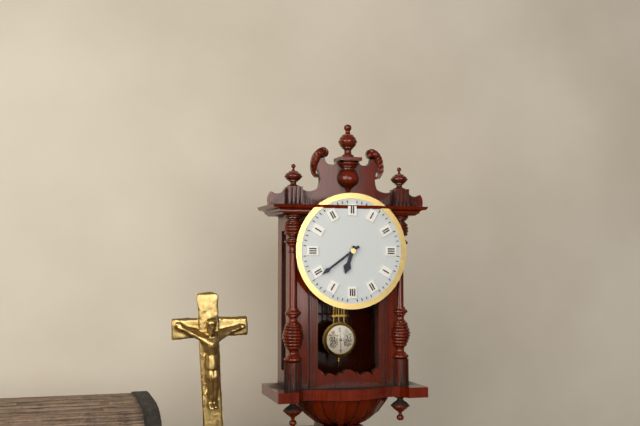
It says 6 h 39 min
